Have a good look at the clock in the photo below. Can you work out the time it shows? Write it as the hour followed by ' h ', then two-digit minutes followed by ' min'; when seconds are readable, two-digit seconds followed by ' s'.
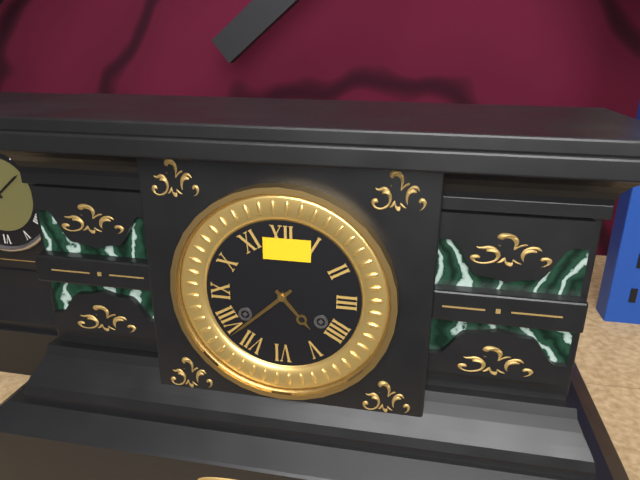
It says 4 h 38 min
